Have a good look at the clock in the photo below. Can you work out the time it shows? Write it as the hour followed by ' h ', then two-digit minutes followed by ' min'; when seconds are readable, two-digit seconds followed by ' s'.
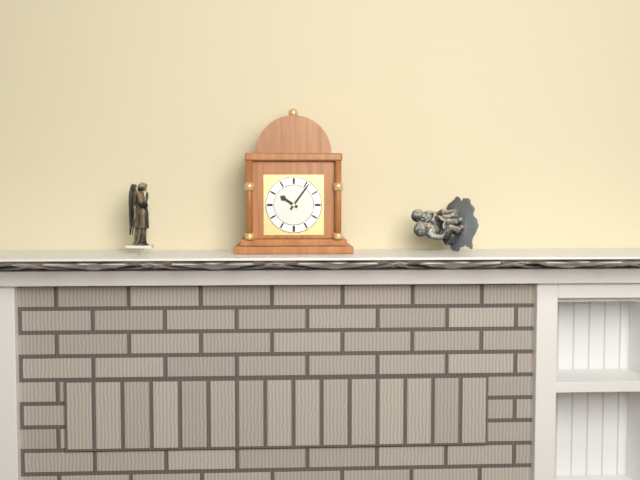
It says 10 h 06 min
